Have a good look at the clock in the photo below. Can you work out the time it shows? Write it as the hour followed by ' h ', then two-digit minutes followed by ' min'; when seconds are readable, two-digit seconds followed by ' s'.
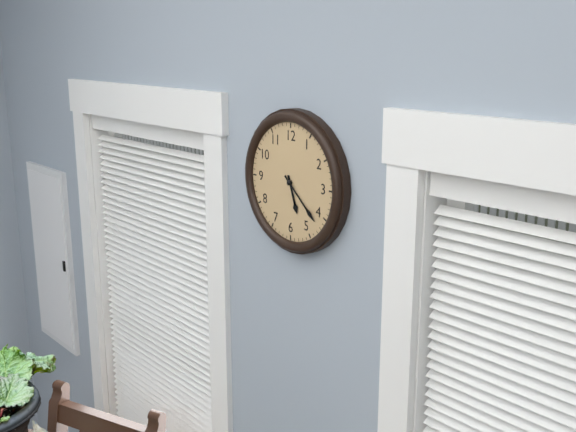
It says 5 h 22 min
